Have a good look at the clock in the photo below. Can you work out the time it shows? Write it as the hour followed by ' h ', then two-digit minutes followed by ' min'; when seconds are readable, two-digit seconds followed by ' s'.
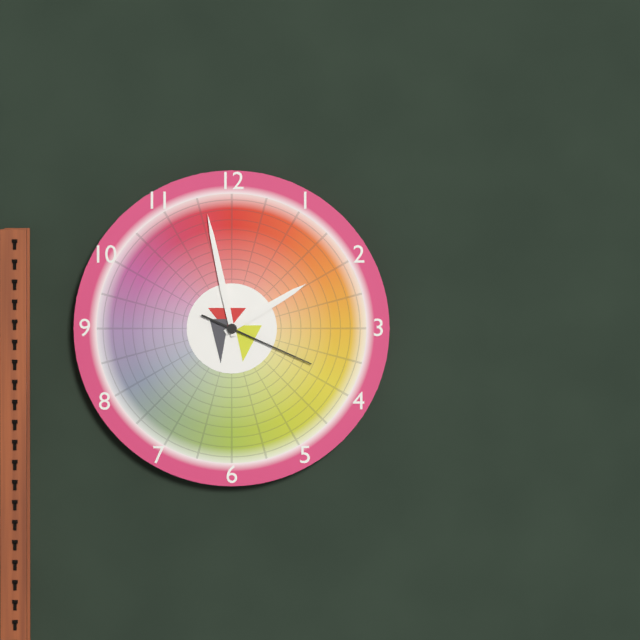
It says 1 h 58 min 19 s
